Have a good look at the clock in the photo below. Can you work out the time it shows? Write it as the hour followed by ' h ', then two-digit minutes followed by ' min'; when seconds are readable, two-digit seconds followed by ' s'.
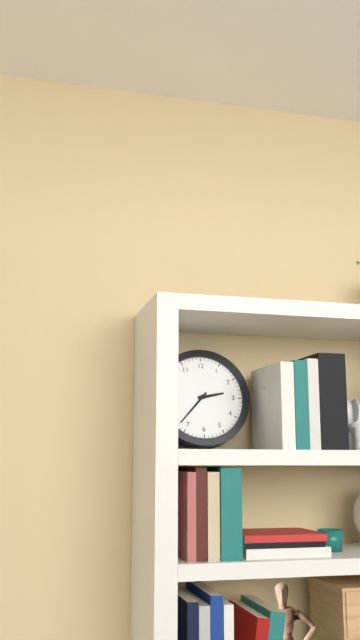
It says 2 h 37 min
